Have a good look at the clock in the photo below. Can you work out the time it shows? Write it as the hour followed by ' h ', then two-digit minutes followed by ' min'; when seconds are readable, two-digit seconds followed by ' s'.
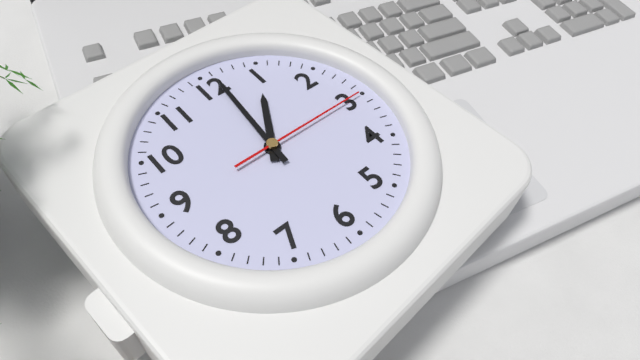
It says 1 h 01 min 15 s
